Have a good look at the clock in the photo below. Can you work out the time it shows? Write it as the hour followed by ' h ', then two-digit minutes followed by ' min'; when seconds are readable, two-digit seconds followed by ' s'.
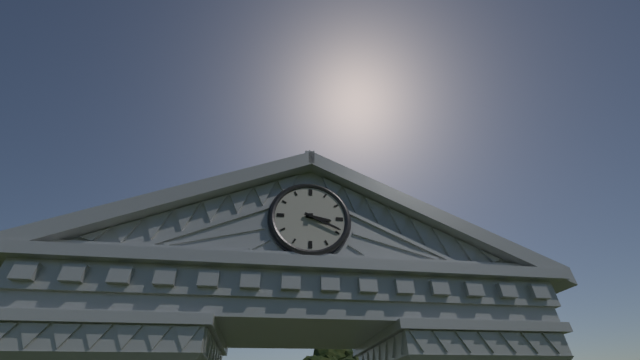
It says 3 h 19 min
